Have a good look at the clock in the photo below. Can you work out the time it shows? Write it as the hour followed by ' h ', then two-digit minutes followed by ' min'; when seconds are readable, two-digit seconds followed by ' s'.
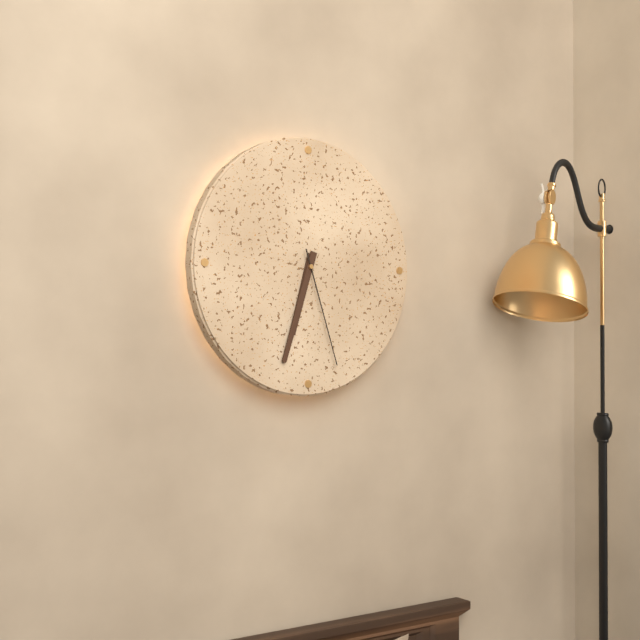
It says 6 h 33 min 27 s
